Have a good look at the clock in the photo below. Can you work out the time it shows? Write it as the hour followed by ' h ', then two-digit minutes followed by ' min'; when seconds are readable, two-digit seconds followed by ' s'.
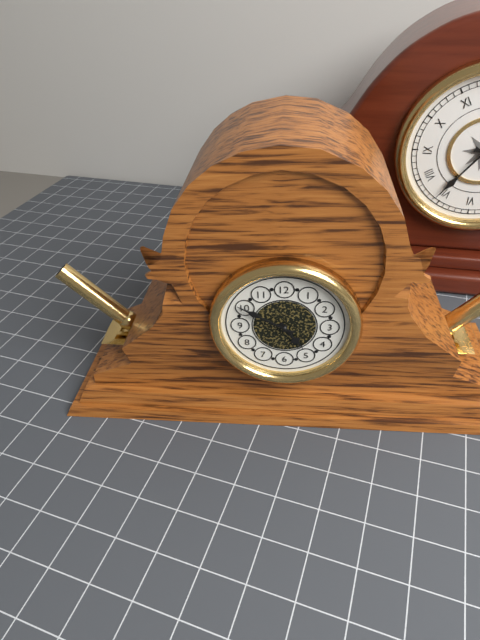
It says 4 h 50 min
